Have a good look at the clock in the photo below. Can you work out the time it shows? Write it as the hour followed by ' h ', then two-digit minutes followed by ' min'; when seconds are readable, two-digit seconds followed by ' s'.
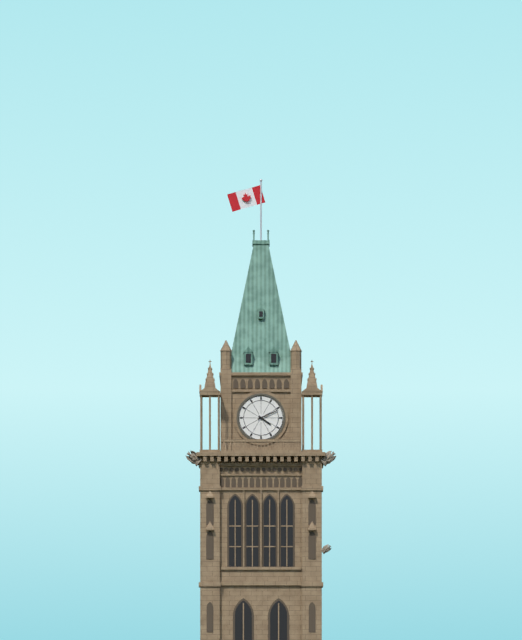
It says 4 h 11 min
